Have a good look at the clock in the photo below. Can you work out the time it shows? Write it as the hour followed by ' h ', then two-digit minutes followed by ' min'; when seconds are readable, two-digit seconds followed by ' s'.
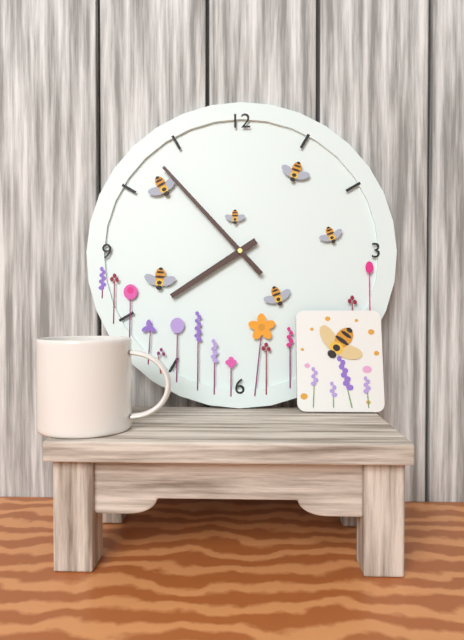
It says 7 h 53 min
